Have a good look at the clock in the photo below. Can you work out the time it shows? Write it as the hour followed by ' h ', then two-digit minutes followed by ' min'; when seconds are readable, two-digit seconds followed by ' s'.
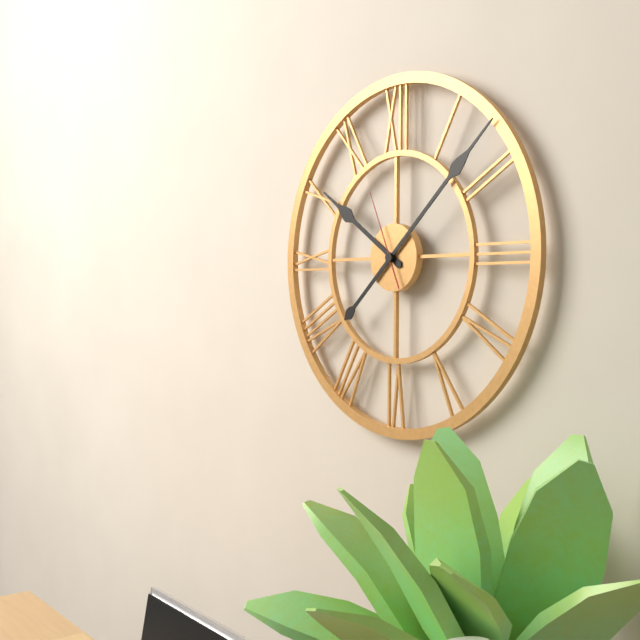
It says 10 h 08 min 56 s
